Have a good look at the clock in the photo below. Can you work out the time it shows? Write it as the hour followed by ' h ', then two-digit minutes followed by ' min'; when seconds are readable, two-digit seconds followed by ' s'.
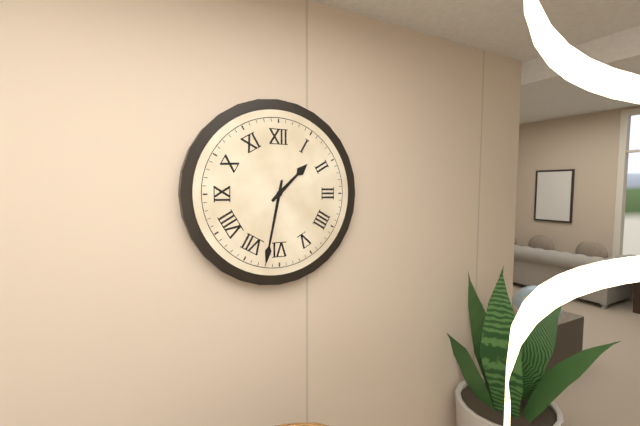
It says 1 h 32 min
